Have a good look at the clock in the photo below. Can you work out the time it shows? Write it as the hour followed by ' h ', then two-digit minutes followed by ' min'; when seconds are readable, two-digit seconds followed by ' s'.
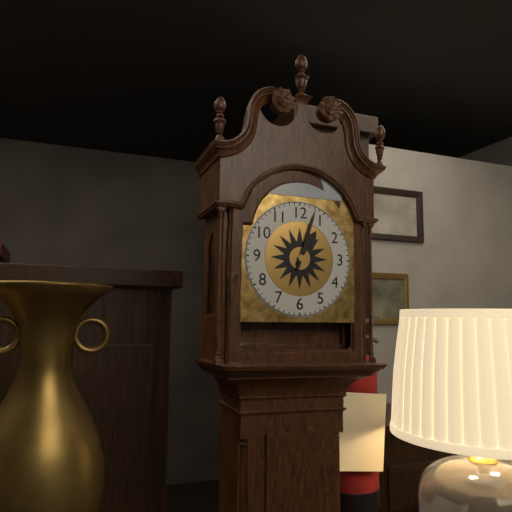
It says 1 h 03 min
